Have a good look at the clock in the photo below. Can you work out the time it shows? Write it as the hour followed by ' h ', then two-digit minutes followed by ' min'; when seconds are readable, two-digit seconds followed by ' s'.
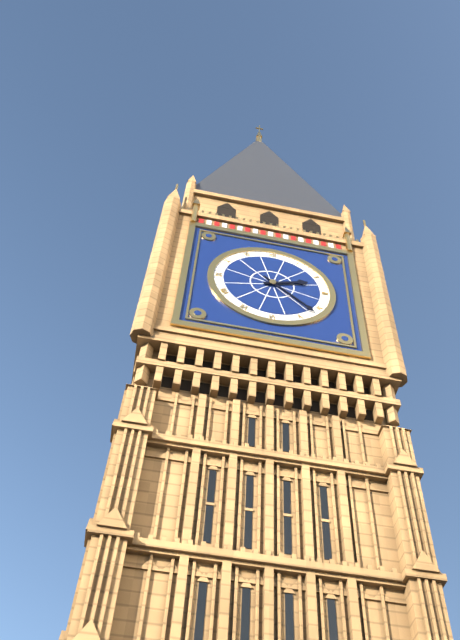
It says 2 h 22 min
